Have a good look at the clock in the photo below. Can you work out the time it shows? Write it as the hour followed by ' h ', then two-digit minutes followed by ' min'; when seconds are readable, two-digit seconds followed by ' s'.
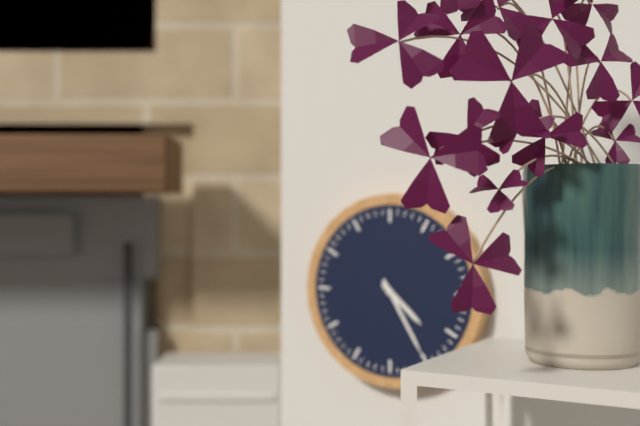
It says 4 h 25 min
